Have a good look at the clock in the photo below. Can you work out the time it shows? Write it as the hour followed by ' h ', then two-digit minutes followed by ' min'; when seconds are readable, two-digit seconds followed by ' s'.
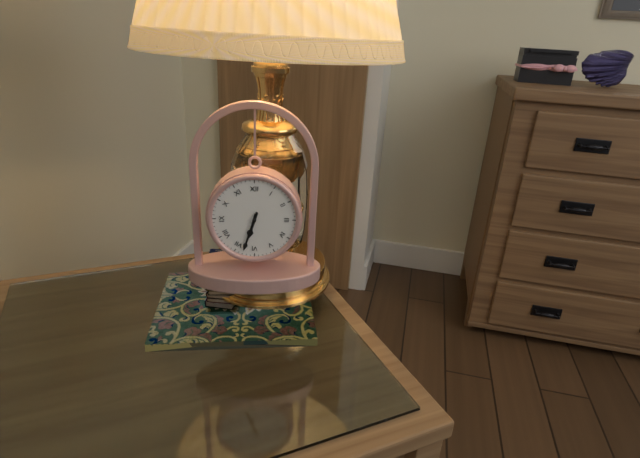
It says 6 h 33 min
